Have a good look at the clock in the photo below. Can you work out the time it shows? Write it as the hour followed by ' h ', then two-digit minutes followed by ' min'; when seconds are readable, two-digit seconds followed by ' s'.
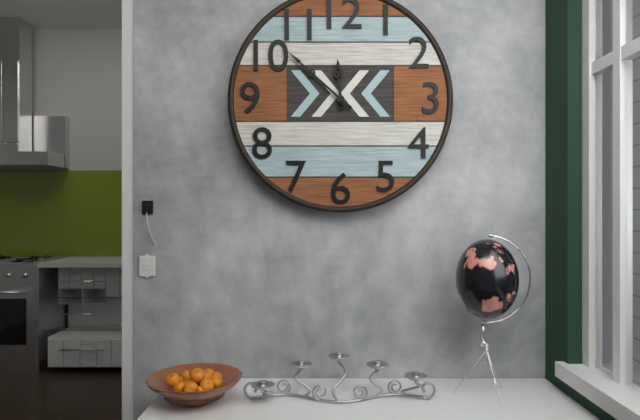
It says 11 h 52 min
